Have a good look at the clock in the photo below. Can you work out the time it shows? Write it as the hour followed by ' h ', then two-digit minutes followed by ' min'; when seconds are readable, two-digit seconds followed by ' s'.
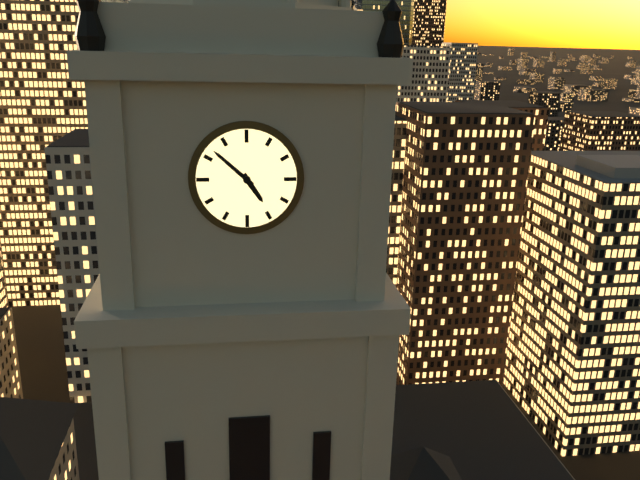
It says 4 h 52 min
